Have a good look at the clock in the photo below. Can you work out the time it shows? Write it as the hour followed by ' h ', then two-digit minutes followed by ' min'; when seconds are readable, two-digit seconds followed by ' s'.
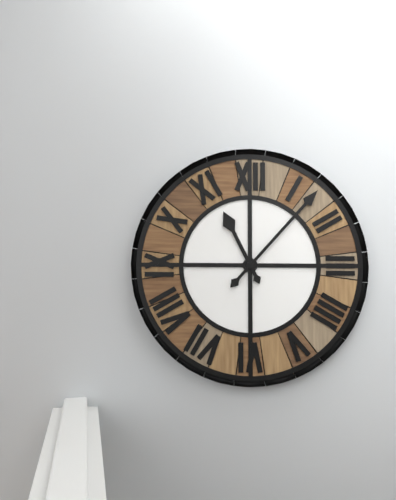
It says 11 h 07 min
